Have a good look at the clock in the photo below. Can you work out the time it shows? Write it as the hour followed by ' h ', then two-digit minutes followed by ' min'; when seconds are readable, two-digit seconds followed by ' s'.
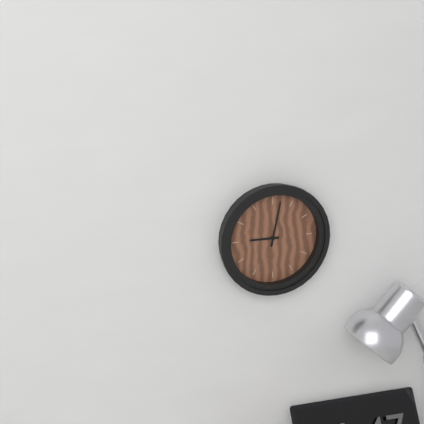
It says 9 h 02 min
